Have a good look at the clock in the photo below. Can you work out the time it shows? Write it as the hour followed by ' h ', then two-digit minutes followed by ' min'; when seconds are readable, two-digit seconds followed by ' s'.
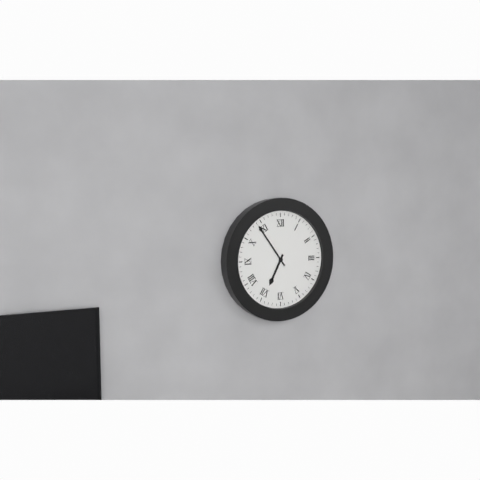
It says 6 h 54 min
